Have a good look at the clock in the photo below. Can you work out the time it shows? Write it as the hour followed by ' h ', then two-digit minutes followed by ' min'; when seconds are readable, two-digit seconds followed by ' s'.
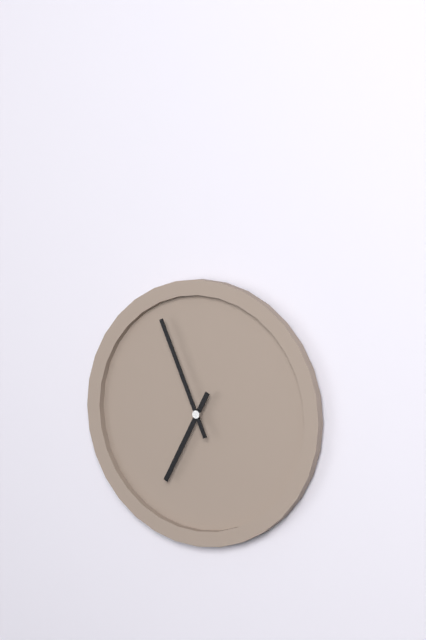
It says 6 h 56 min
